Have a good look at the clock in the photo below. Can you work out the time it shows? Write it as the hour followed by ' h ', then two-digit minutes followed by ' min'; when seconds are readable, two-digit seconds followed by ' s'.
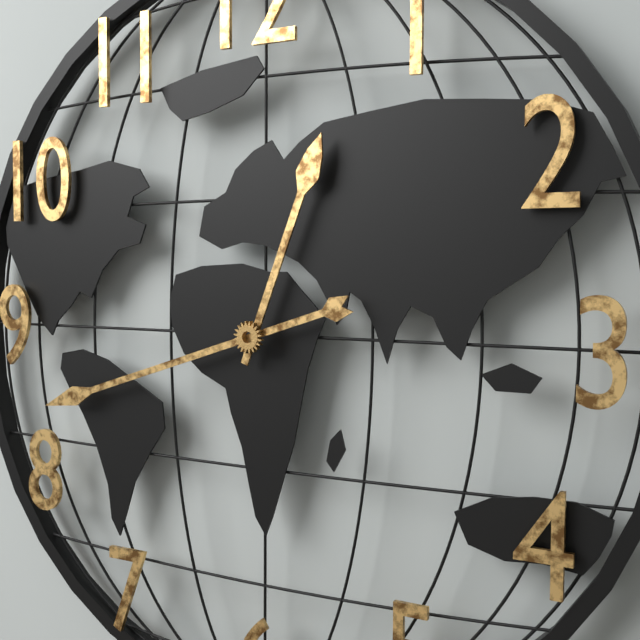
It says 12 h 42 min
